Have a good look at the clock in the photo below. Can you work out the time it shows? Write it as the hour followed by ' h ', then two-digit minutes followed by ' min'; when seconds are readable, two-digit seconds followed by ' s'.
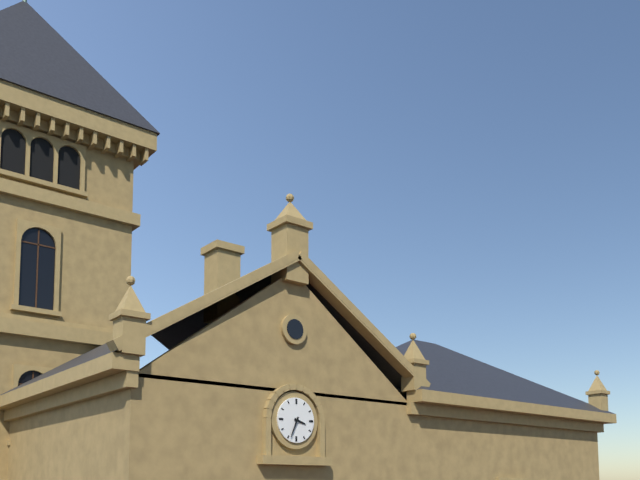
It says 3 h 34 min
